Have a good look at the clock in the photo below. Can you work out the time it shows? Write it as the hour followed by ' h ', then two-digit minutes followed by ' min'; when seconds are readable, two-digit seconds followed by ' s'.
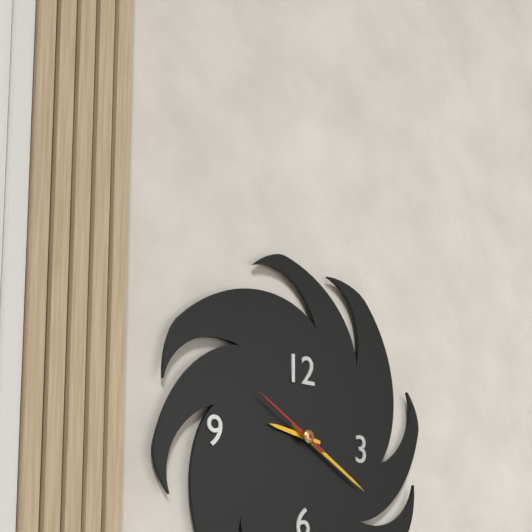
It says 9 h 20 min 50 s
